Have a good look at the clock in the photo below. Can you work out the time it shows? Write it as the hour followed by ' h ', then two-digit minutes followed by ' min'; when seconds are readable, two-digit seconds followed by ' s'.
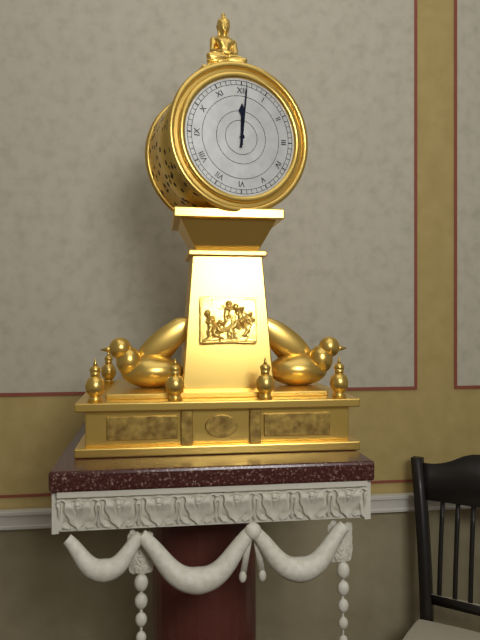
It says 12 h 01 min
